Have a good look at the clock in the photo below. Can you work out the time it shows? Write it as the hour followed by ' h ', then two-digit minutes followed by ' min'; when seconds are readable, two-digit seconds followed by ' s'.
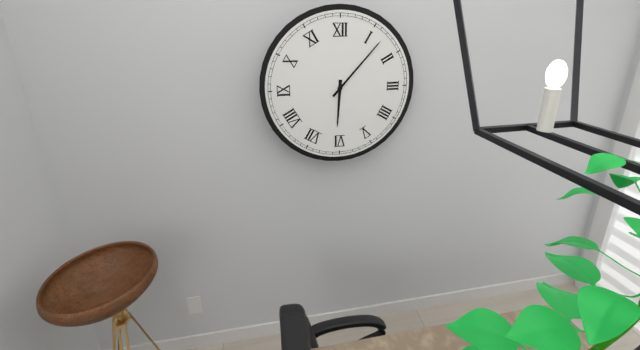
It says 6 h 07 min
